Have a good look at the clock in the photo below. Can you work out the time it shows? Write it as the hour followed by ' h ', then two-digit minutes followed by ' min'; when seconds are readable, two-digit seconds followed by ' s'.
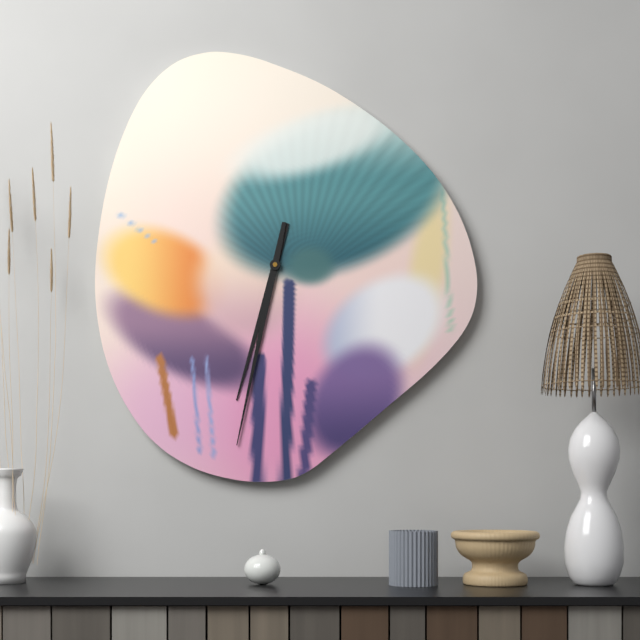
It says 6 h 32 min
